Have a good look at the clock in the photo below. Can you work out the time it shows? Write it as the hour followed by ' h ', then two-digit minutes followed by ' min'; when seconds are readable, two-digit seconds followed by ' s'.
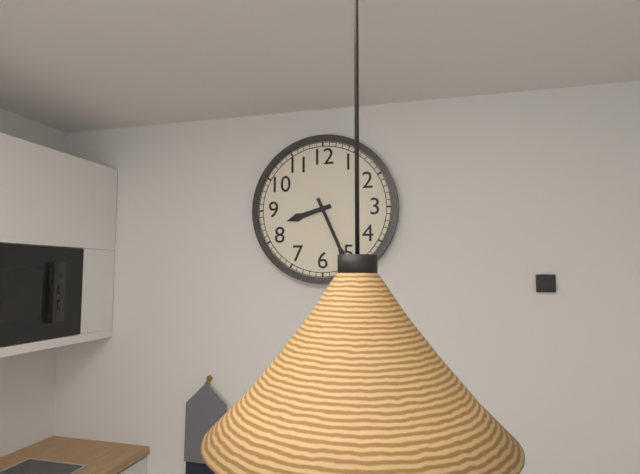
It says 8 h 26 min
